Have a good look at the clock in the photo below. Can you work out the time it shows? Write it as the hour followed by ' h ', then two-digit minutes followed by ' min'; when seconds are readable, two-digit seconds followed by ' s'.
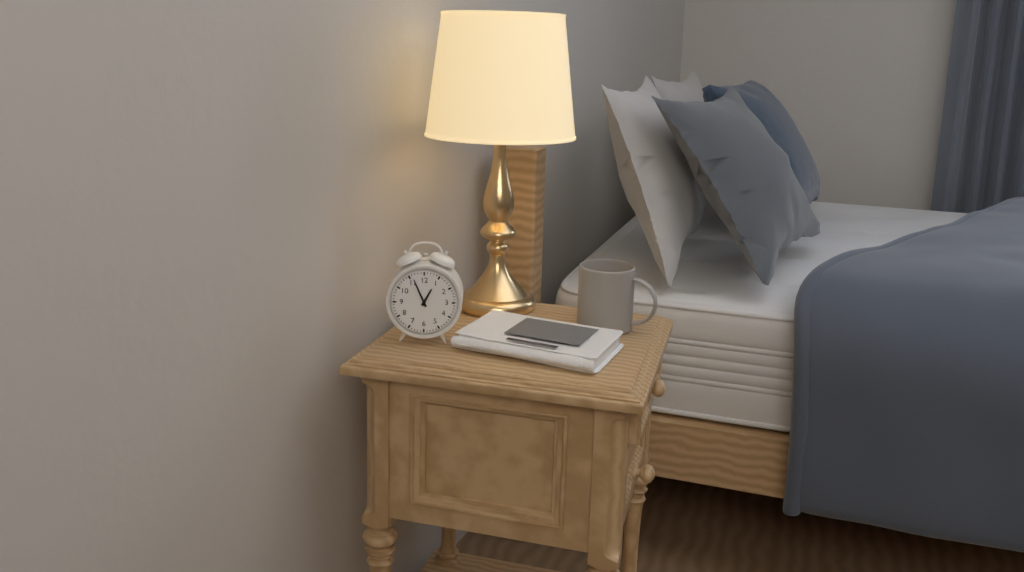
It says 12 h 56 min
